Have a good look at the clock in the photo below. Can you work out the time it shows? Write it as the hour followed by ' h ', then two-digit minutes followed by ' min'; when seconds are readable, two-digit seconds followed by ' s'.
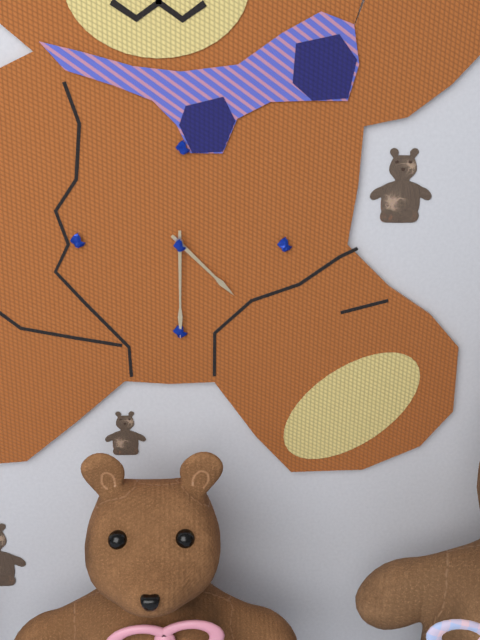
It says 4 h 30 min
